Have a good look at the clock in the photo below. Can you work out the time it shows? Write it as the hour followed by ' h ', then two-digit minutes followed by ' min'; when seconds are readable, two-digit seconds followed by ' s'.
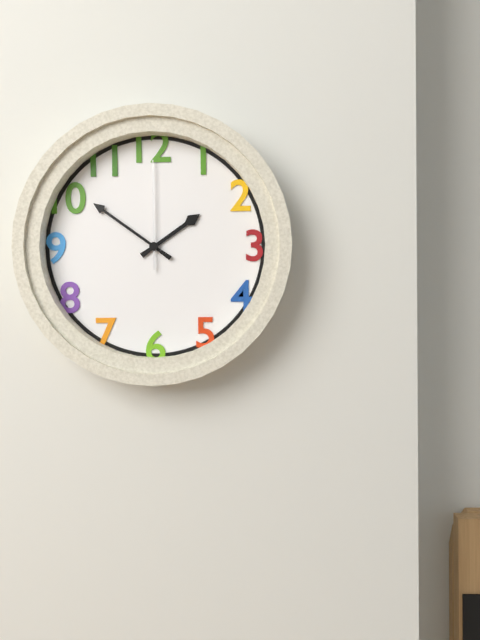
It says 1 h 51 min 00 s
